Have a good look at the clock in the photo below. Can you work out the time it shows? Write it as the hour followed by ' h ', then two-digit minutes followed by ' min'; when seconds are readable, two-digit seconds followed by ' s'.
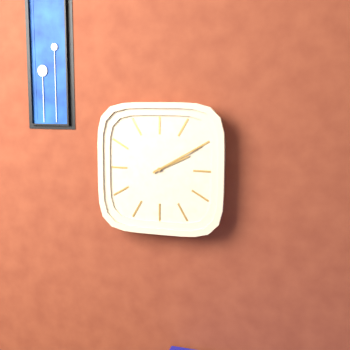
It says 2 h 10 min
